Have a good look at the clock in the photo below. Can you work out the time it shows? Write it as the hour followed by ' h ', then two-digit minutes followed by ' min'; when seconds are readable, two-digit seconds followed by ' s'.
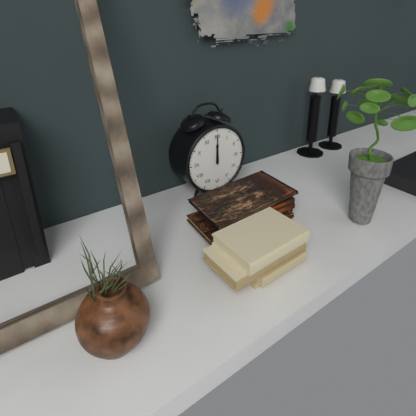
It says 12 h 00 min
